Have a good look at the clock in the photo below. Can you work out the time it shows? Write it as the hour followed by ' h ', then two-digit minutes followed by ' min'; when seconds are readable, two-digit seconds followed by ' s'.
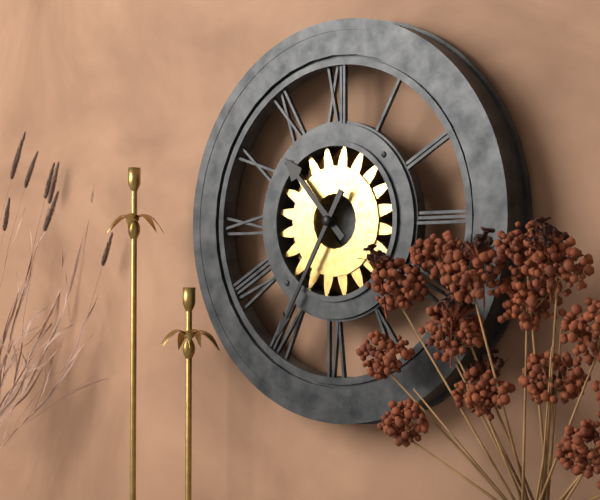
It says 10 h 35 min
